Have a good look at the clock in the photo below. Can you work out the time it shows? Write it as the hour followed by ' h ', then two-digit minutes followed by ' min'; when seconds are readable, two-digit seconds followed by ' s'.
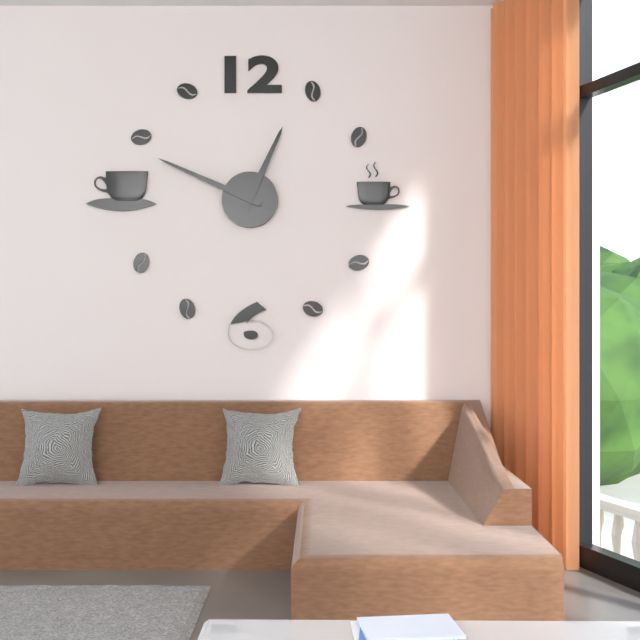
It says 12 h 49 min
